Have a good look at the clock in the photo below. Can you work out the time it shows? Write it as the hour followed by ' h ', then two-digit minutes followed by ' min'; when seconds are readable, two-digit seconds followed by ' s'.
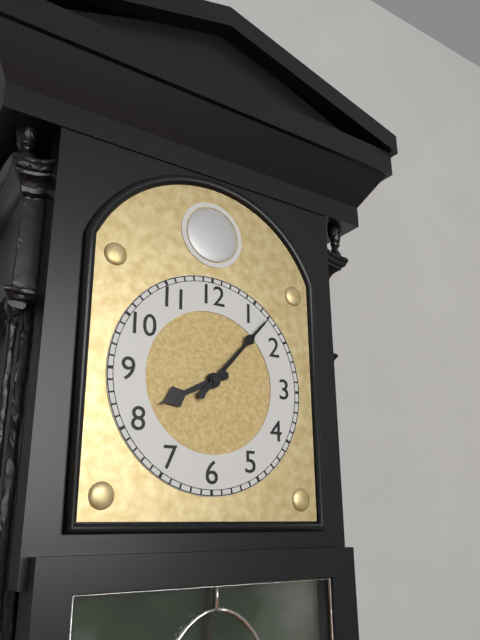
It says 8 h 07 min
